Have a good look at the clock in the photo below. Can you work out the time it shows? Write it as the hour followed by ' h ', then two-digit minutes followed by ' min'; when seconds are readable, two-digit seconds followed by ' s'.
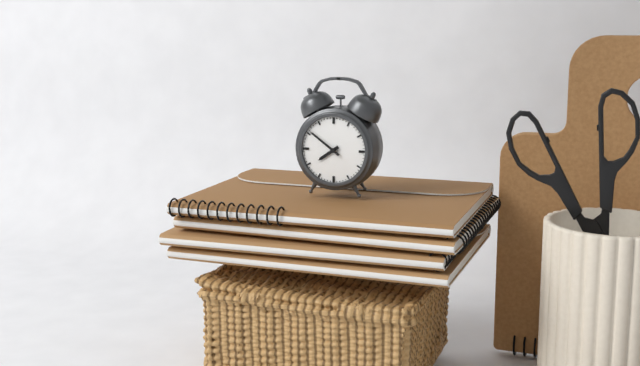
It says 7 h 51 min
